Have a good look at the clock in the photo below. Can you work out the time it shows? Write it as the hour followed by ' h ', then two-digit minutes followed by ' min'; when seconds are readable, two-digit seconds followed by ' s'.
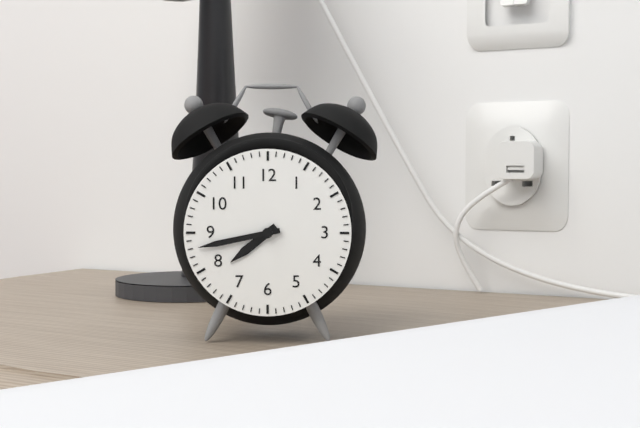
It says 7 h 43 min
